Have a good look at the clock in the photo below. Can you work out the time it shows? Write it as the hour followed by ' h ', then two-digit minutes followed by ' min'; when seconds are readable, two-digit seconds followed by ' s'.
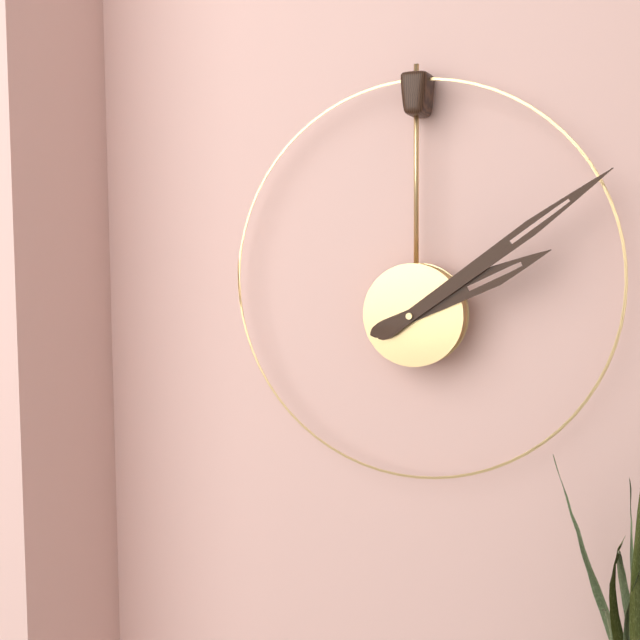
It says 2 h 09 min
